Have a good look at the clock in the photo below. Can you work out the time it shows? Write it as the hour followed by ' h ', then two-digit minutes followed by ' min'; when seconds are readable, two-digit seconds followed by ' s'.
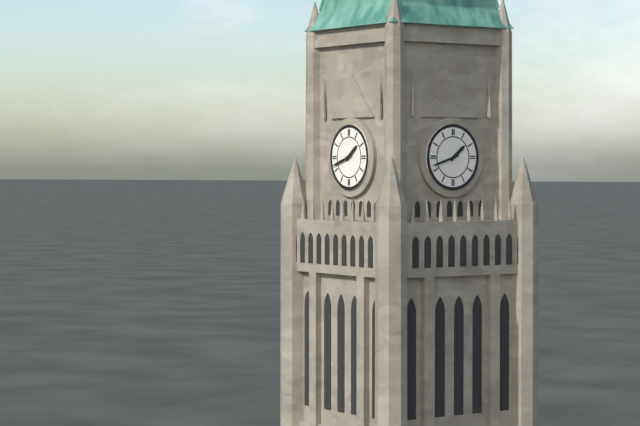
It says 1 h 42 min
